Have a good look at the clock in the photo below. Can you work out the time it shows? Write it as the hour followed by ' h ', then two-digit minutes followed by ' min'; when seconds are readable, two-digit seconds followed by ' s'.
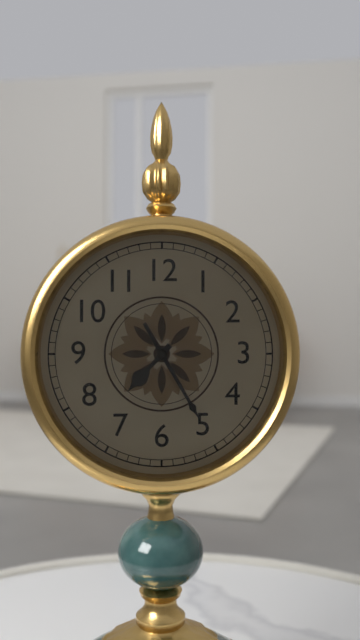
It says 7 h 25 min
